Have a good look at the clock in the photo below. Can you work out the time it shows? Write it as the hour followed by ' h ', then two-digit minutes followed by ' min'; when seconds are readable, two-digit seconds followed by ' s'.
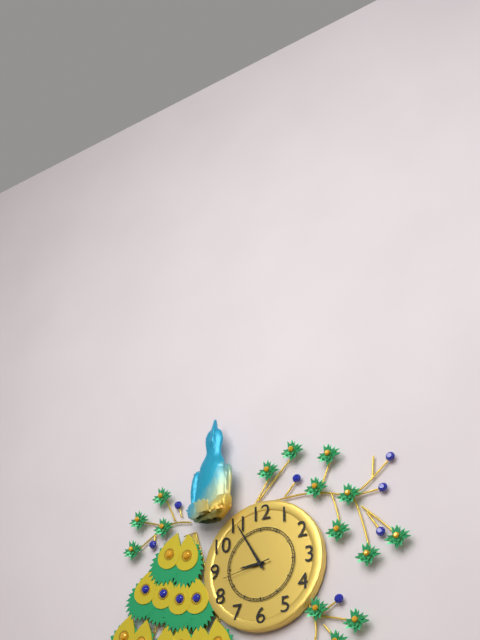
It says 8 h 55 min 43 s
